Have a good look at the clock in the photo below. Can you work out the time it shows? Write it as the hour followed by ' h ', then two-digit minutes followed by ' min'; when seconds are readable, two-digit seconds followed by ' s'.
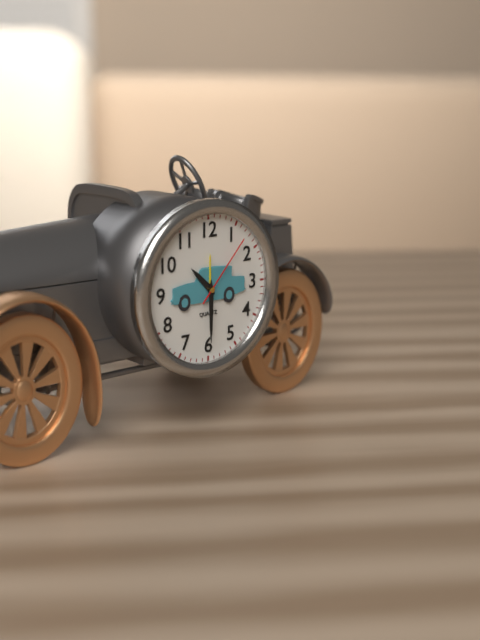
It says 10 h 30 min 07 s
